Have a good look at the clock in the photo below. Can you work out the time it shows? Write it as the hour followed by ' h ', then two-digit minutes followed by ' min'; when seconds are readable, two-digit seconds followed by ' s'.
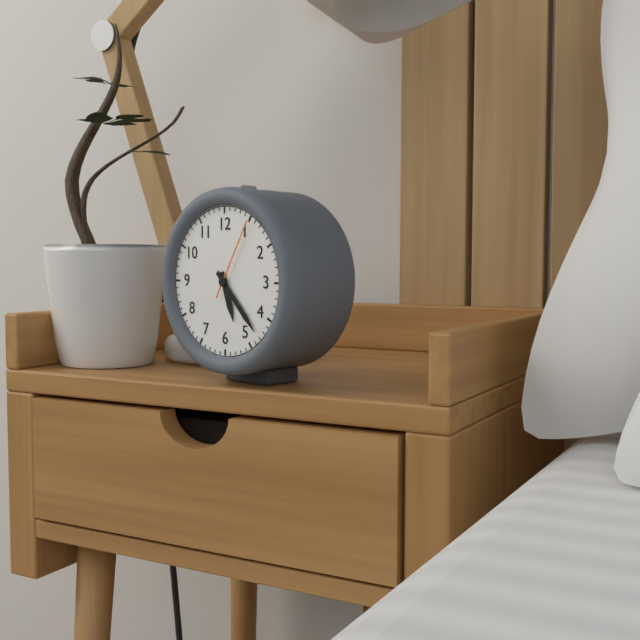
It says 5 h 23 min 05 s
